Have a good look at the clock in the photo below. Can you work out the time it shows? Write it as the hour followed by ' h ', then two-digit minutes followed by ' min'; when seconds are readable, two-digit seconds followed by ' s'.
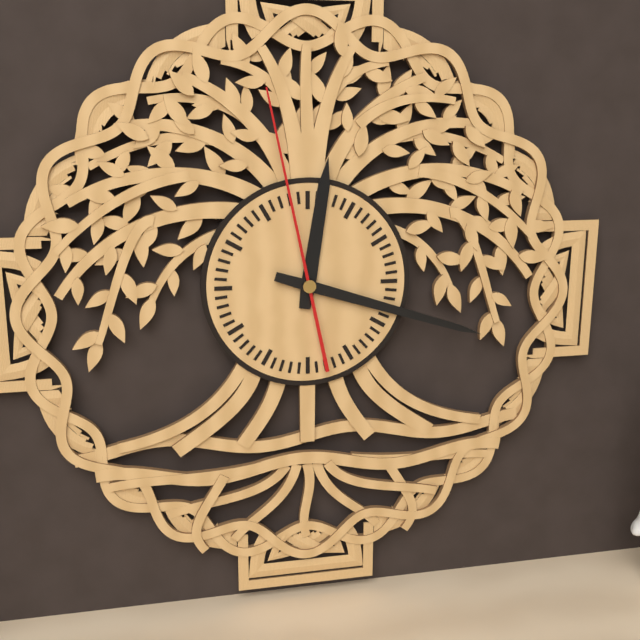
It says 12 h 18 min 58 s
